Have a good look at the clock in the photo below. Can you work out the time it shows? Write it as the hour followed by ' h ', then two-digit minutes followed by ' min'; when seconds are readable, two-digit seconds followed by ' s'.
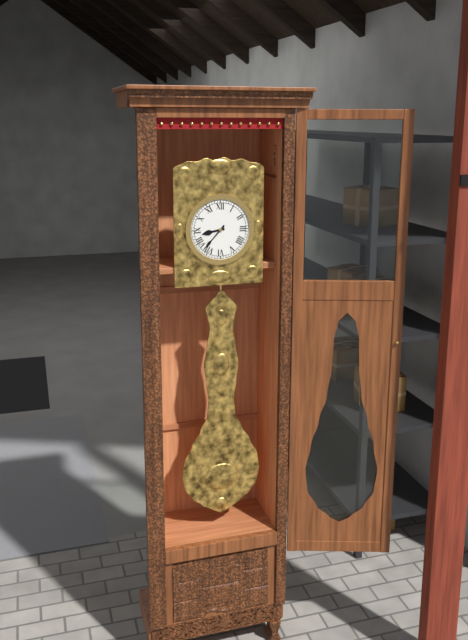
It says 8 h 37 min
